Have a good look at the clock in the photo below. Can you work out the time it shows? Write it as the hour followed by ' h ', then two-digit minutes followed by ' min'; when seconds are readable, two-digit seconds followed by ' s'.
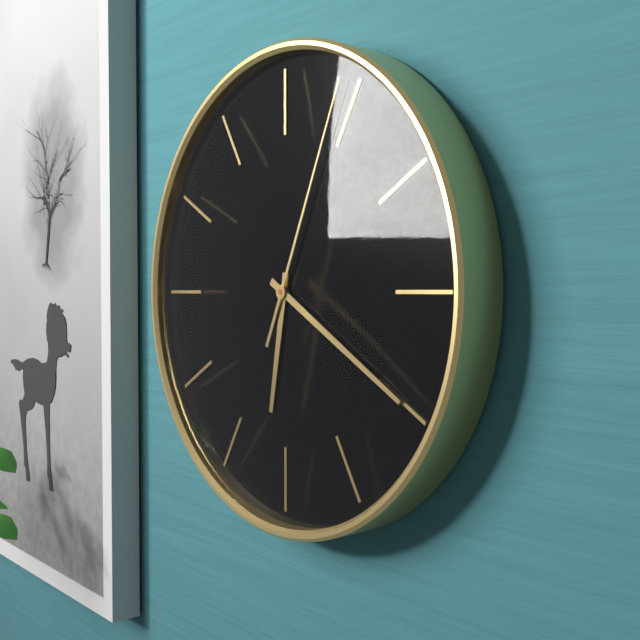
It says 6 h 20 min 04 s
